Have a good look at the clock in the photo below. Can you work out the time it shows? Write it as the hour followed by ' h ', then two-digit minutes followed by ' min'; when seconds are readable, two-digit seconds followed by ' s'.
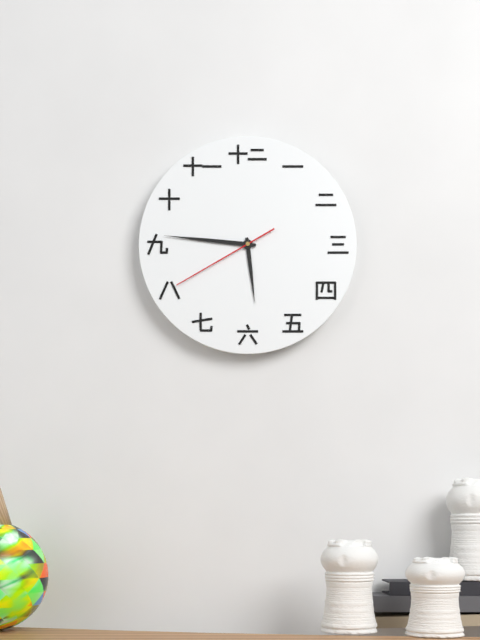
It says 5 h 46 min 40 s
